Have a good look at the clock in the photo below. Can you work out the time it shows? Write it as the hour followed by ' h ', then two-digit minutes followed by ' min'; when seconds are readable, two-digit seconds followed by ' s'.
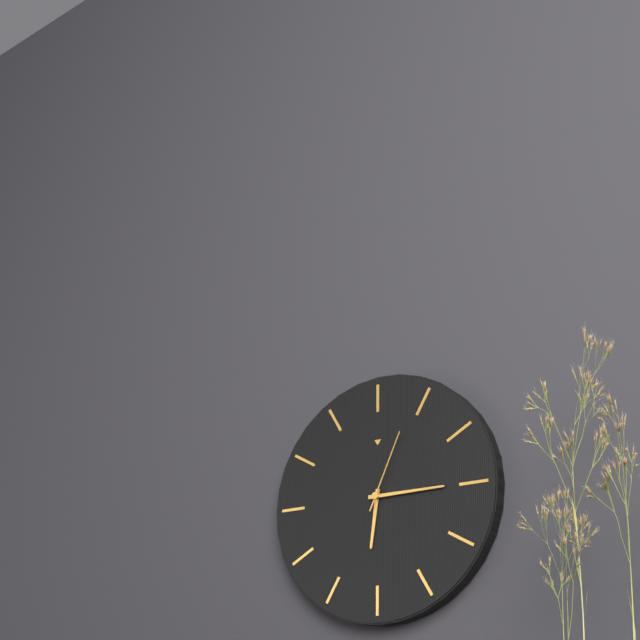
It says 6 h 15 min 04 s
